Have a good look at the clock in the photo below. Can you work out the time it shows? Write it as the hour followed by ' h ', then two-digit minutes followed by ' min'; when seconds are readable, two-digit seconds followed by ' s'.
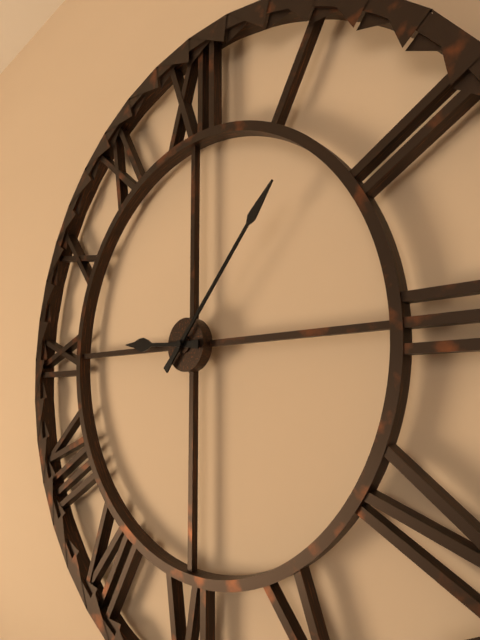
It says 9 h 07 min
